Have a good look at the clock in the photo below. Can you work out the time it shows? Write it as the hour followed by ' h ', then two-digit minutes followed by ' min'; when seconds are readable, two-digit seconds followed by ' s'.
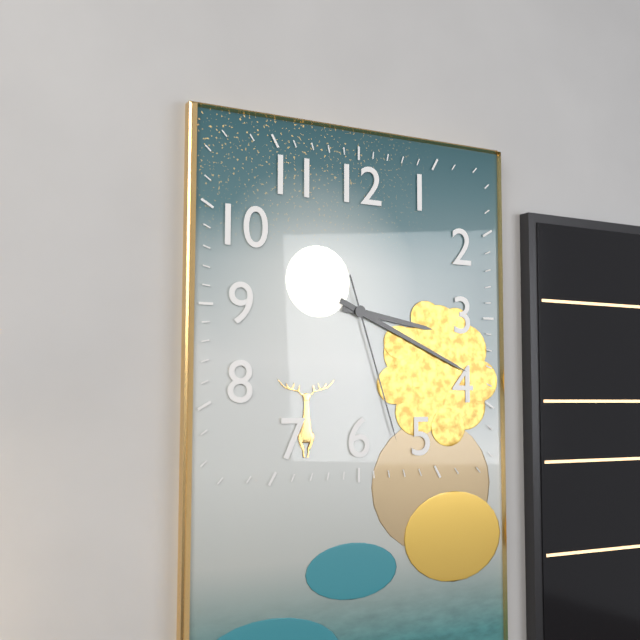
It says 3 h 19 min 27 s
